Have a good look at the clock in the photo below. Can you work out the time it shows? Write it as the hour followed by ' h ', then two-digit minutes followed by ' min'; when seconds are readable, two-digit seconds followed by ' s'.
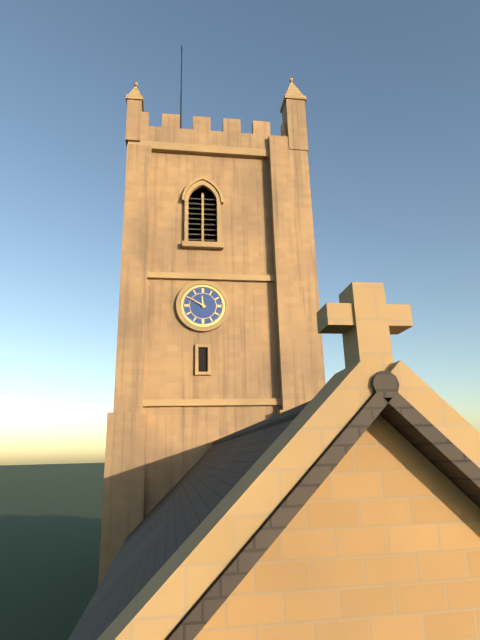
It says 11 h 50 min
